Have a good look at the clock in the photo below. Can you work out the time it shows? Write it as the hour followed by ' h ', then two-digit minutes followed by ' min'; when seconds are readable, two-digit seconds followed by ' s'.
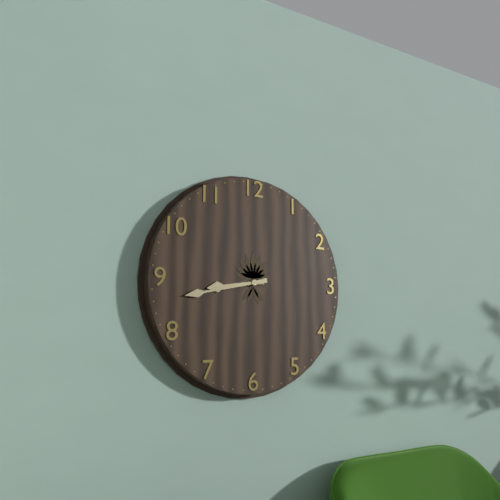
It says 8 h 43 min
